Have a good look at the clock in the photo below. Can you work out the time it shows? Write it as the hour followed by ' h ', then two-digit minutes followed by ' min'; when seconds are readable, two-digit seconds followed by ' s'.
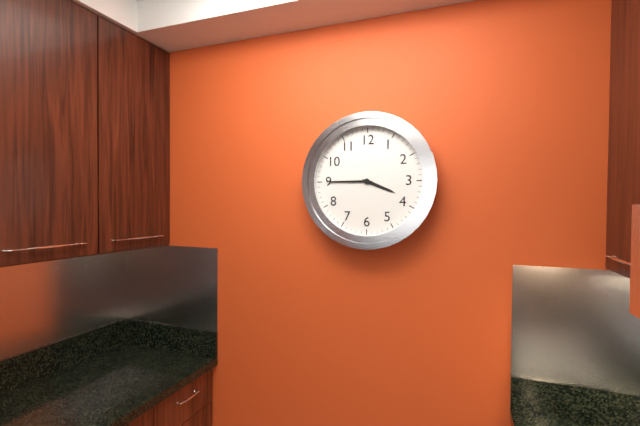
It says 3 h 45 min
